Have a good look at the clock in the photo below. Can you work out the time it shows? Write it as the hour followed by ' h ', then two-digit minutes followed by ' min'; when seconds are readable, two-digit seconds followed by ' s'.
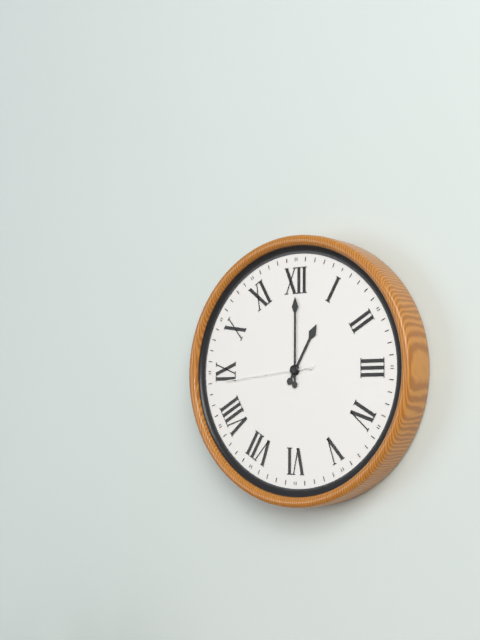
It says 1 h 00 min 44 s
